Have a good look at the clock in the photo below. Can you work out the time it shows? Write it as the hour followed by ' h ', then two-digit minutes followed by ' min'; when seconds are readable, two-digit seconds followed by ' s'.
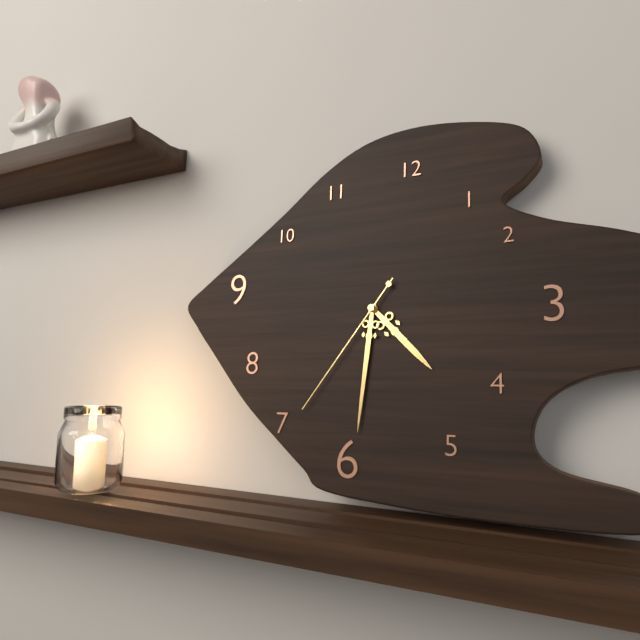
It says 4 h 31 min 36 s
